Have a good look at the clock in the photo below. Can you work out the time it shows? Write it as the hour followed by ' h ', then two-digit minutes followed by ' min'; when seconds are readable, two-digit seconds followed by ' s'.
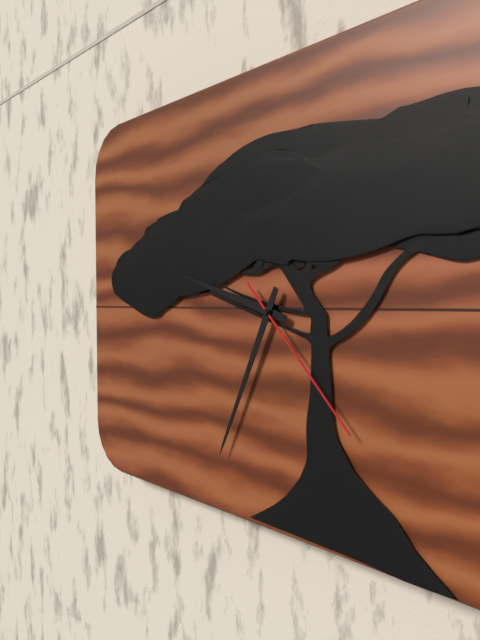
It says 9 h 34 min 23 s
